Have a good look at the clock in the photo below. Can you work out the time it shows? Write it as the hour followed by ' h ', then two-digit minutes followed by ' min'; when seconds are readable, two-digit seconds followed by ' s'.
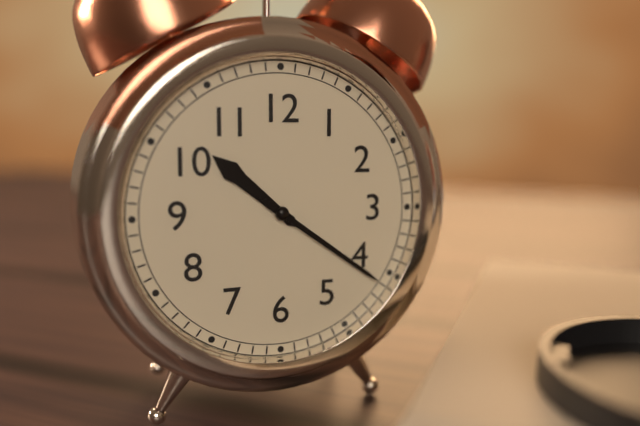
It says 10 h 21 min
